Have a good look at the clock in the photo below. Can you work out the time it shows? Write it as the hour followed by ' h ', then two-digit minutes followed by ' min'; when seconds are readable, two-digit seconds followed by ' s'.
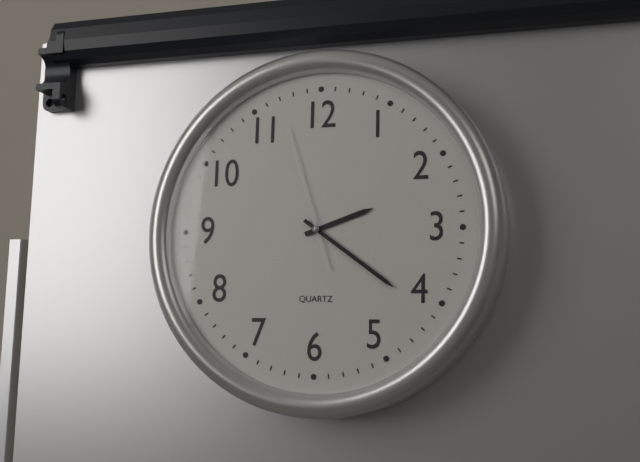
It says 2 h 21 min 57 s
